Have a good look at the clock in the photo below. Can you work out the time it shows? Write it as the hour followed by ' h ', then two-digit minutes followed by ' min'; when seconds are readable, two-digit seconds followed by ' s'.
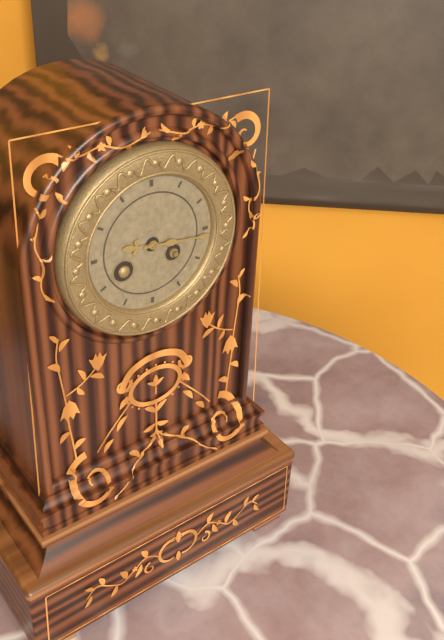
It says 9 h 16 min
